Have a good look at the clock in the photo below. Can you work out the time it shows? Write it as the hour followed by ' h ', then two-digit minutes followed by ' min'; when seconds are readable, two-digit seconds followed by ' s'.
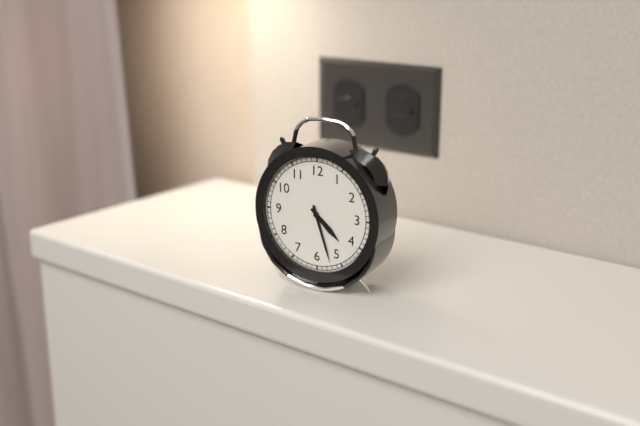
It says 4 h 27 min
